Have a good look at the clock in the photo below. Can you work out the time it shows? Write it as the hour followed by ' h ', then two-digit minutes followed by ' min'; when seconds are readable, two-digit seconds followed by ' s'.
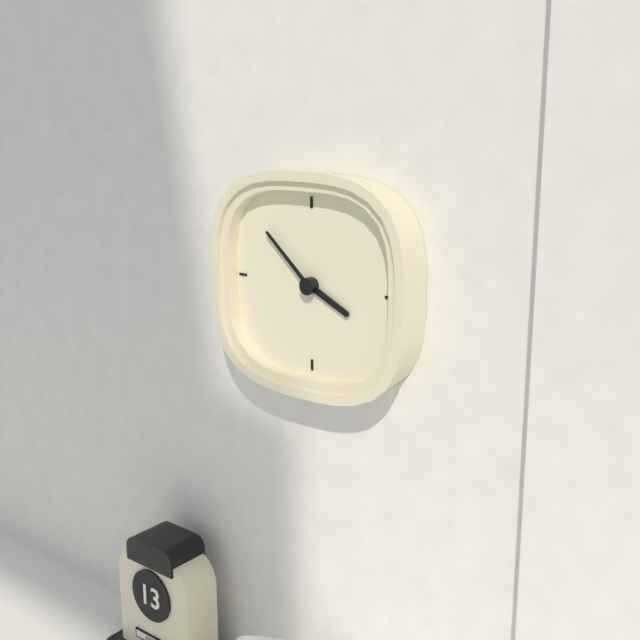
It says 3 h 52 min
